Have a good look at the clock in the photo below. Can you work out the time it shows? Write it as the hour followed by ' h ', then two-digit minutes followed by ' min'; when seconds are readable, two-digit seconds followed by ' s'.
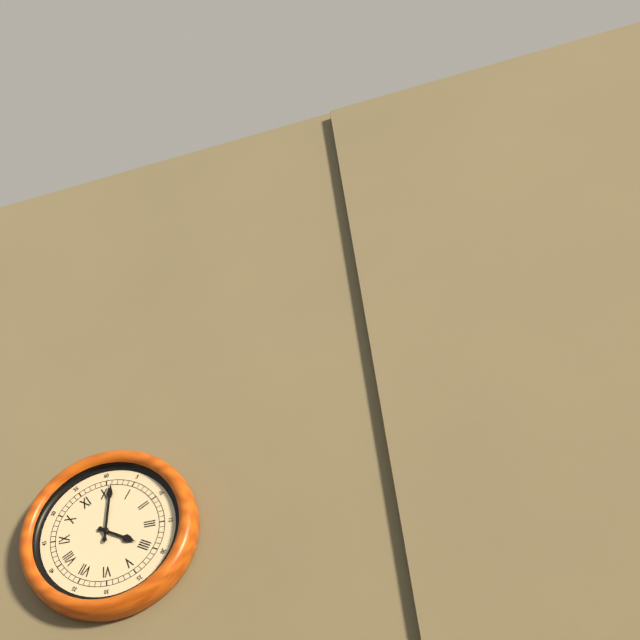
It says 4 h 01 min
